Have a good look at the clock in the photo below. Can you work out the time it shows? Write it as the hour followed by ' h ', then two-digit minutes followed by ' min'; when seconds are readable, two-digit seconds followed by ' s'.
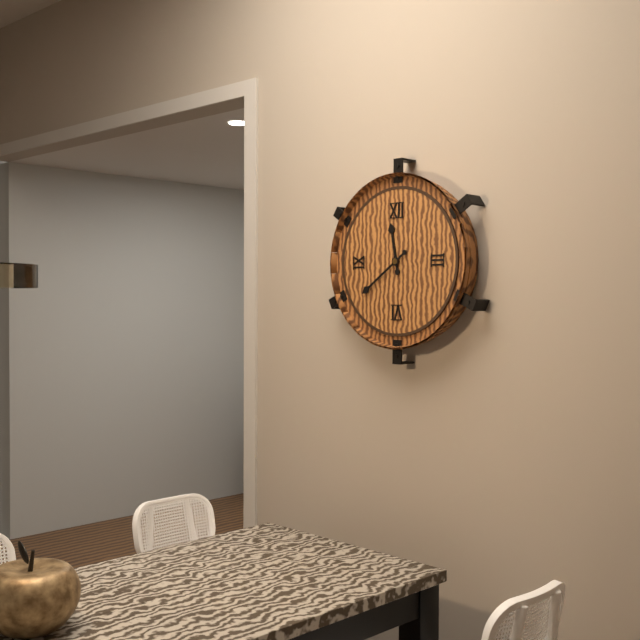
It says 11 h 39 min
